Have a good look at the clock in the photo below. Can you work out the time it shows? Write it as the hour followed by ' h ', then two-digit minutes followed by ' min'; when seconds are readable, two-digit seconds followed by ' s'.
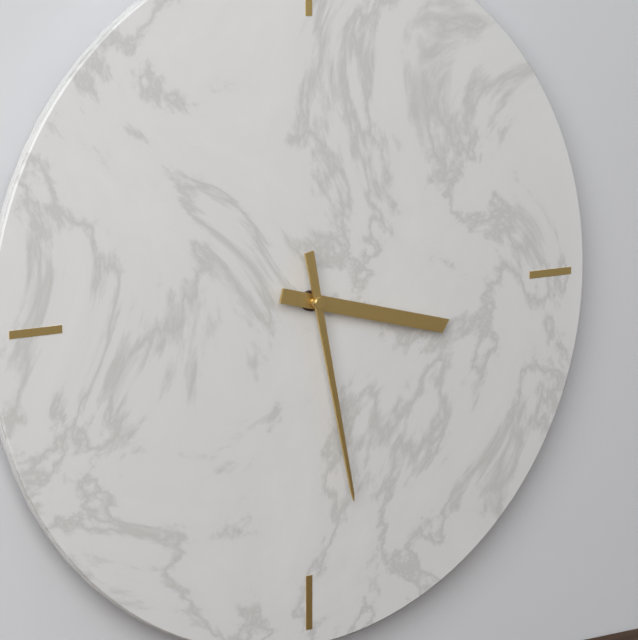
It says 3 h 28 min
